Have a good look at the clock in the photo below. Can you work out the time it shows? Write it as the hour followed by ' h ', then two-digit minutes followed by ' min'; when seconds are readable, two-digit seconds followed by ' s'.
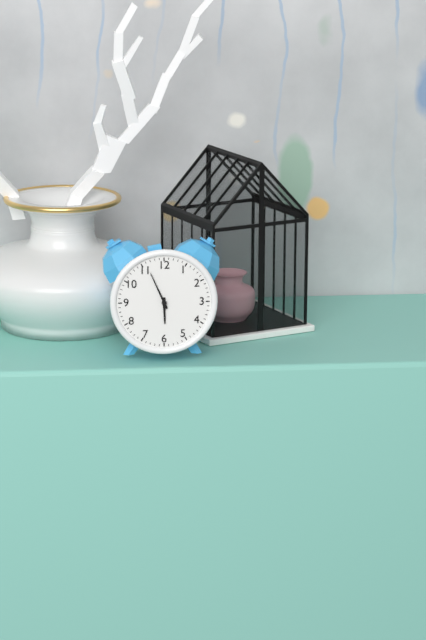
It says 5 h 56 min
